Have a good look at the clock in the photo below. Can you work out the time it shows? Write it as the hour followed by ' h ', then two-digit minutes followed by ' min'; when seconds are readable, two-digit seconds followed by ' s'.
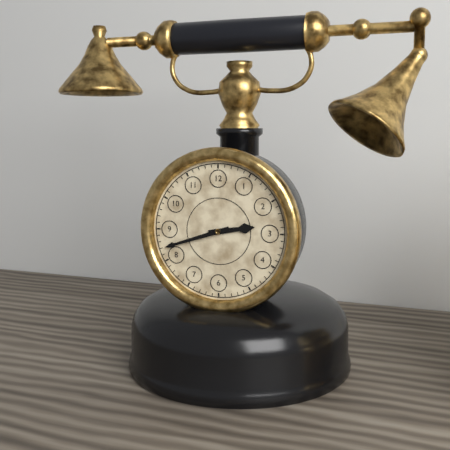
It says 2 h 42 min
